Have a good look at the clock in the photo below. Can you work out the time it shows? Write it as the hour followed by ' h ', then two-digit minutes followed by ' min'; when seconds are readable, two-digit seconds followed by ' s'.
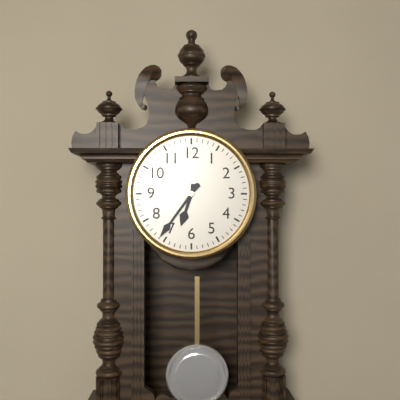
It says 6 h 36 min
